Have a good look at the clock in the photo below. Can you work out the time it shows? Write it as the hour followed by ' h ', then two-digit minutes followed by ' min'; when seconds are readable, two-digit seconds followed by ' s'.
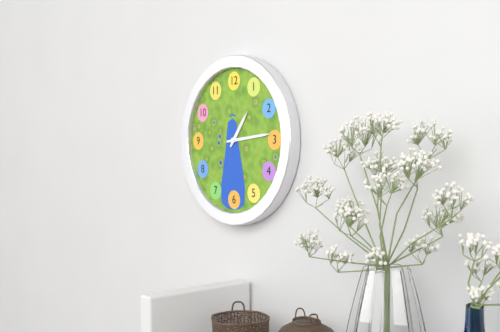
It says 1 h 14 min
